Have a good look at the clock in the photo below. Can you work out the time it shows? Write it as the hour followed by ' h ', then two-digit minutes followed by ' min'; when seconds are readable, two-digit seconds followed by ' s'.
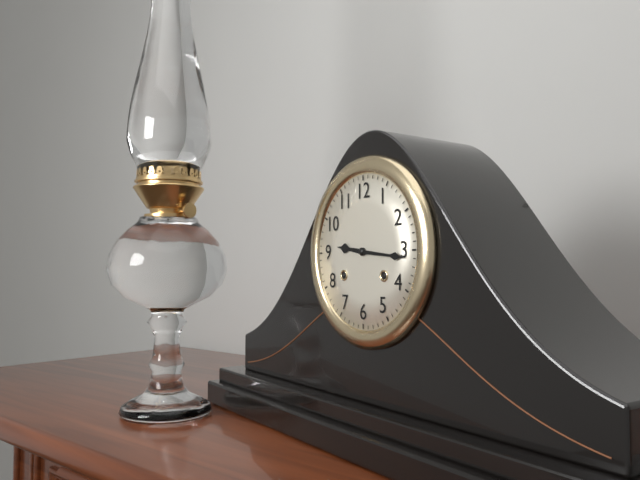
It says 9 h 16 min
